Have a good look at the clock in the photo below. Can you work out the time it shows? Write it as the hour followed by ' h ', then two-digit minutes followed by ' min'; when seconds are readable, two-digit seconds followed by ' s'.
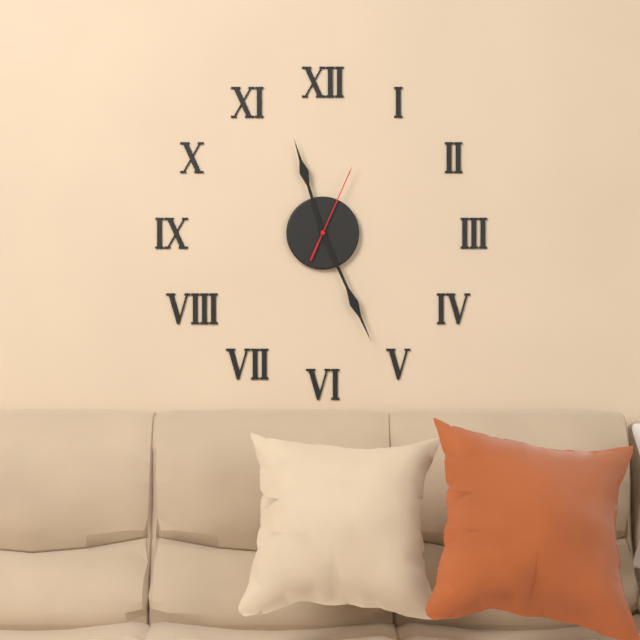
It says 11 h 26 min 04 s
